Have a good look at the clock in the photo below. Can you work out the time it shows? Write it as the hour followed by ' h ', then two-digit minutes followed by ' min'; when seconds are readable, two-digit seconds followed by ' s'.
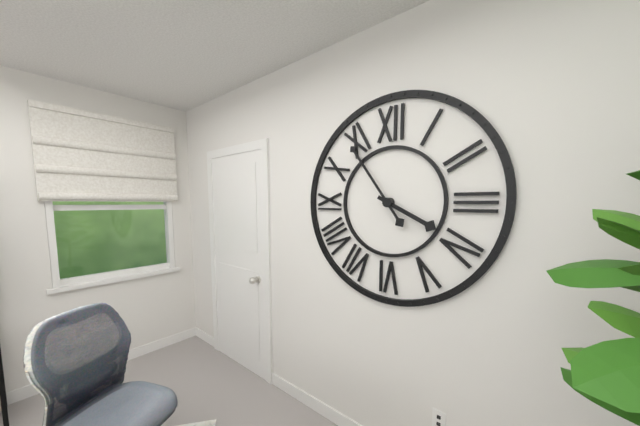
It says 3 h 54 min
